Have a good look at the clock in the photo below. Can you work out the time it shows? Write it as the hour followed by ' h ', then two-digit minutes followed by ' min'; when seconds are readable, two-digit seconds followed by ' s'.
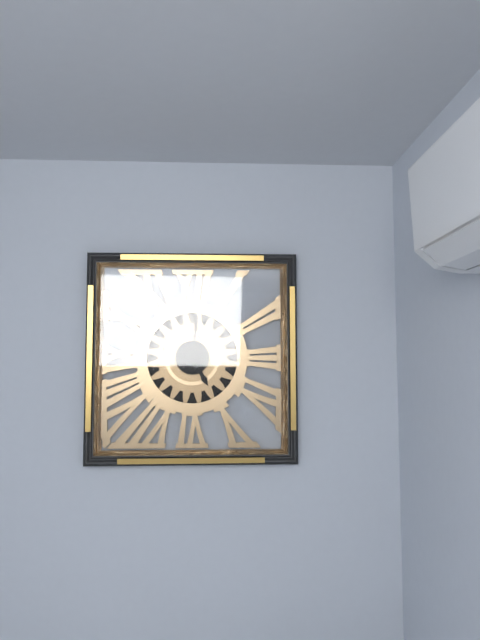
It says 5 h 01 min
